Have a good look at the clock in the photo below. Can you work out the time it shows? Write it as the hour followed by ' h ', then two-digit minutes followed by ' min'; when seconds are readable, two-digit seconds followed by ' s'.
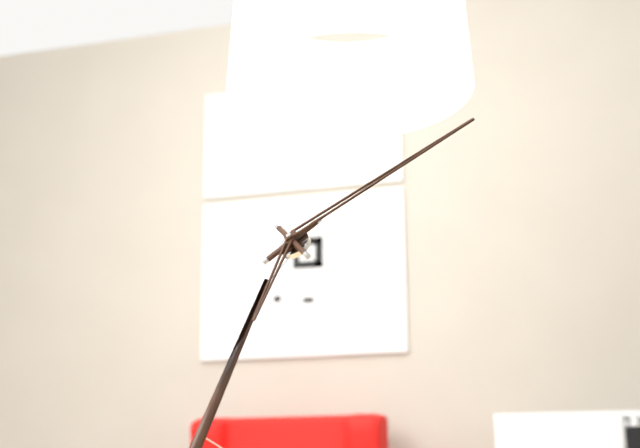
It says 6 h 09 min
